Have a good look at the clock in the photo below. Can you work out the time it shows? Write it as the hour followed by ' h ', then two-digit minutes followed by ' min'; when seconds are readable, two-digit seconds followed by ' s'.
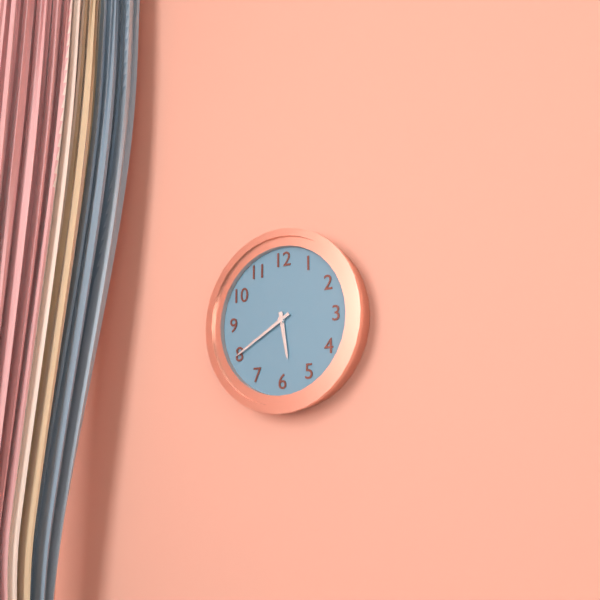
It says 5 h 40 min
